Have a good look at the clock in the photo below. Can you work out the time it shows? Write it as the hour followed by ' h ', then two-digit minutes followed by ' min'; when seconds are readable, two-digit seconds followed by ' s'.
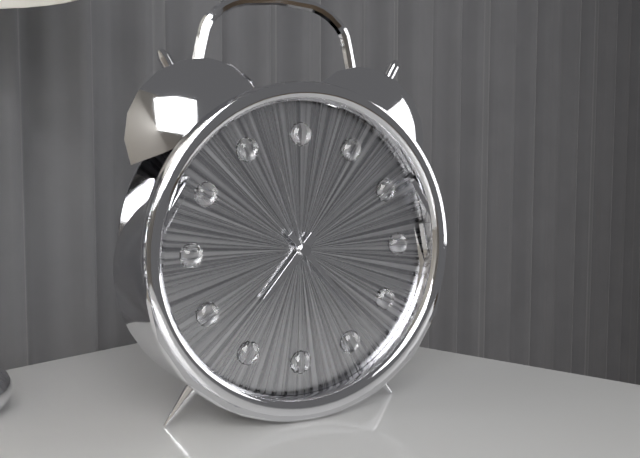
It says 7 h 23 min 57 s
